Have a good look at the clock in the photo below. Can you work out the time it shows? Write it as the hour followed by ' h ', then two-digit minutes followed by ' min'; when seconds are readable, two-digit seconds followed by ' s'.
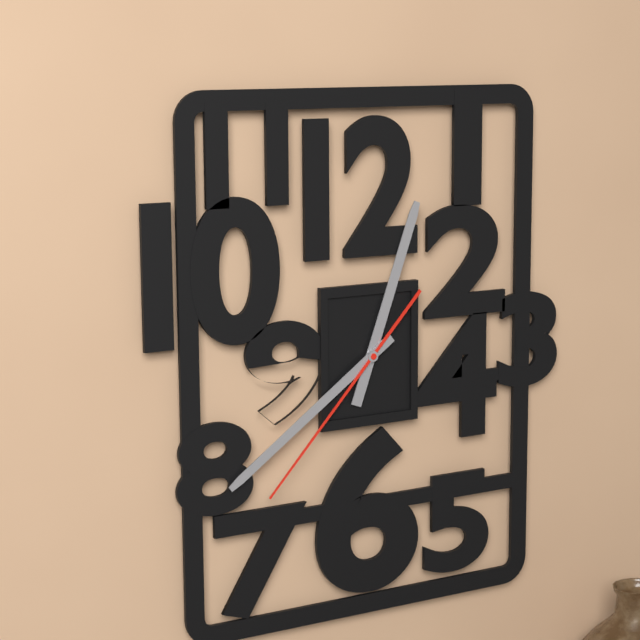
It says 12 h 39 min 37 s
